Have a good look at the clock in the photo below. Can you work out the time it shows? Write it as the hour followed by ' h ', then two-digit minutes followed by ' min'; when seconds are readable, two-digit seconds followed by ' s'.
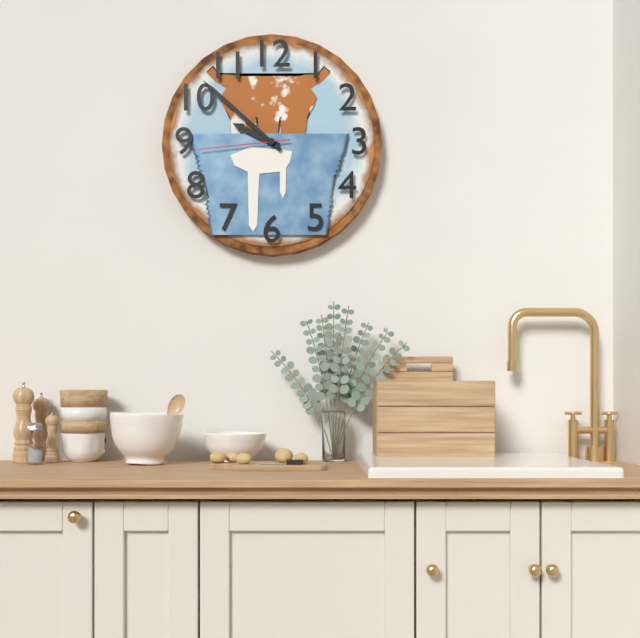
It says 9 h 52 min 44 s
